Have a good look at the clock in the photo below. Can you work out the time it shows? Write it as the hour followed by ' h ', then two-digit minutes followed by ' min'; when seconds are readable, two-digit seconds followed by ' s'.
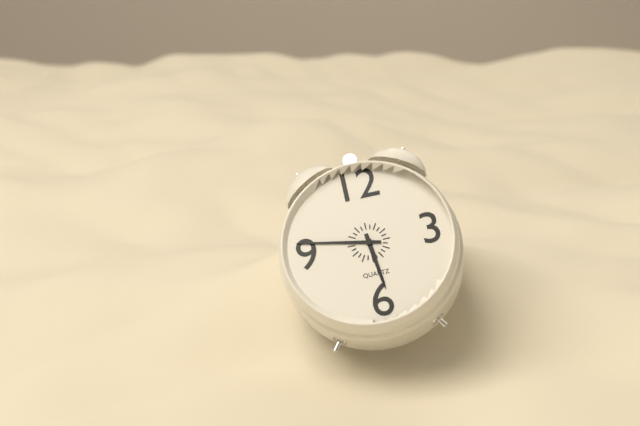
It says 5 h 47 min
